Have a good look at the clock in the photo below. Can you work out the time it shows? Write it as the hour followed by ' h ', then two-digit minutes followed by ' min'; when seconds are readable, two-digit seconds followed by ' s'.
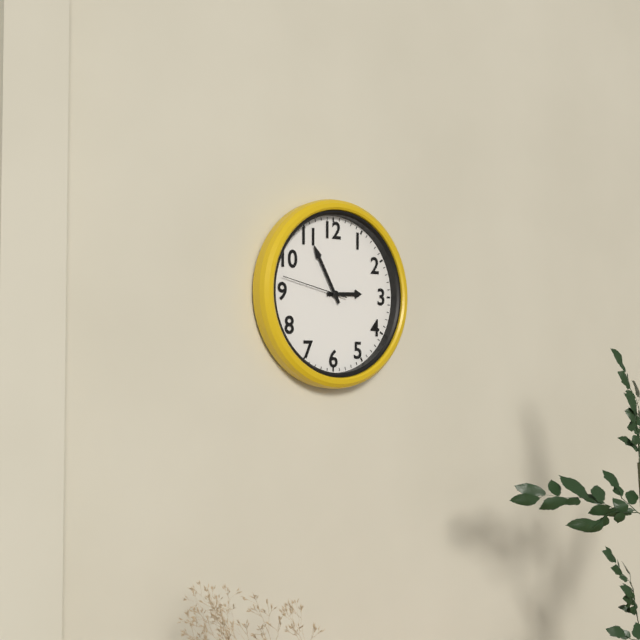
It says 2 h 55 min 47 s
